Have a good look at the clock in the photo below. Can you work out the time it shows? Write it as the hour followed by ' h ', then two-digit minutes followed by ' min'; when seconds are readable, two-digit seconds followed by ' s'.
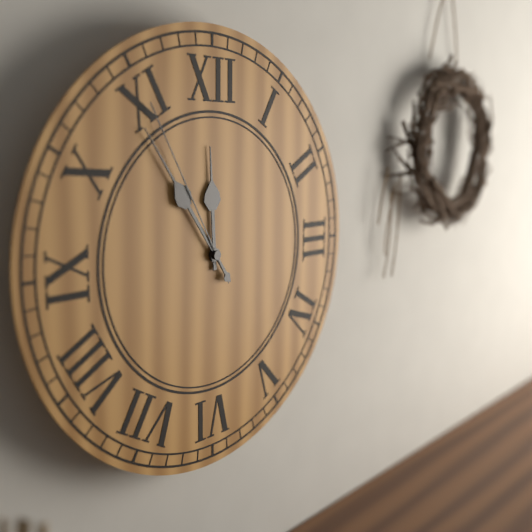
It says 11 h 54 min 55 s
